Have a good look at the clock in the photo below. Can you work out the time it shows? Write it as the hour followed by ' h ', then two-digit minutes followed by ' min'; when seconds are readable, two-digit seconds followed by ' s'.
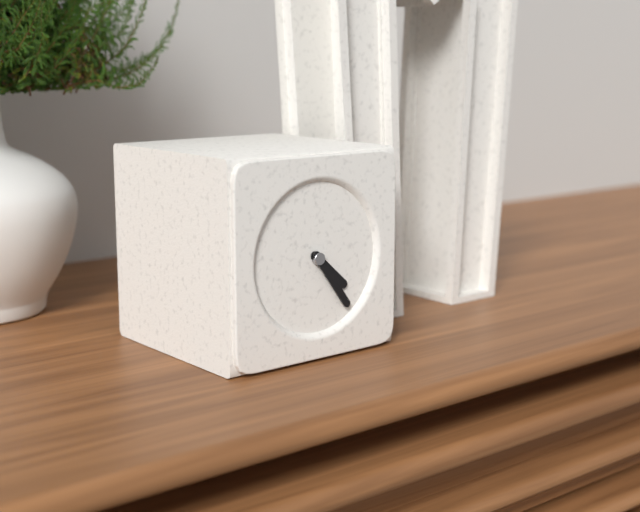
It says 4 h 24 min
